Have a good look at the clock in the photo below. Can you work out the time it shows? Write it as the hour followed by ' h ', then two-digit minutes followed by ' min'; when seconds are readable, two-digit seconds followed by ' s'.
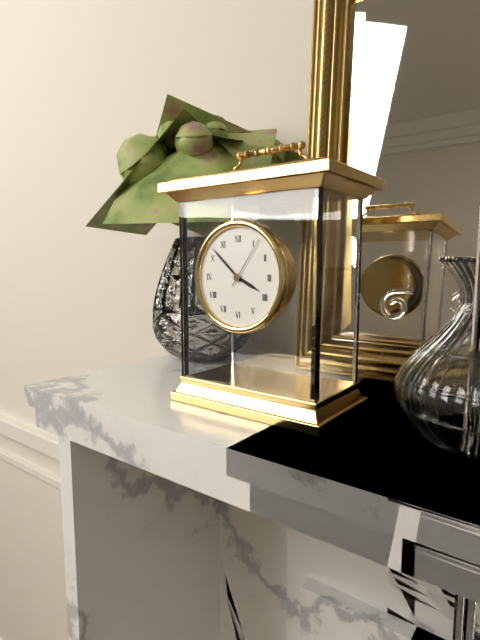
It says 3 h 52 min 06 s
